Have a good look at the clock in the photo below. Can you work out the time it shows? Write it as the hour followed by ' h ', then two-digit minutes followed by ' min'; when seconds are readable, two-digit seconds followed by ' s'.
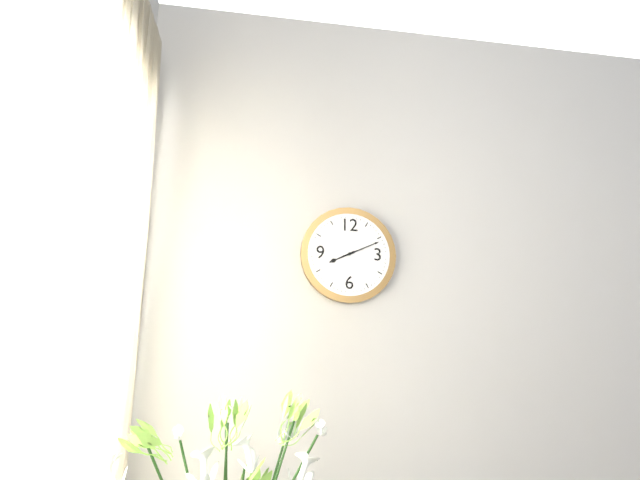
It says 8 h 11 min
